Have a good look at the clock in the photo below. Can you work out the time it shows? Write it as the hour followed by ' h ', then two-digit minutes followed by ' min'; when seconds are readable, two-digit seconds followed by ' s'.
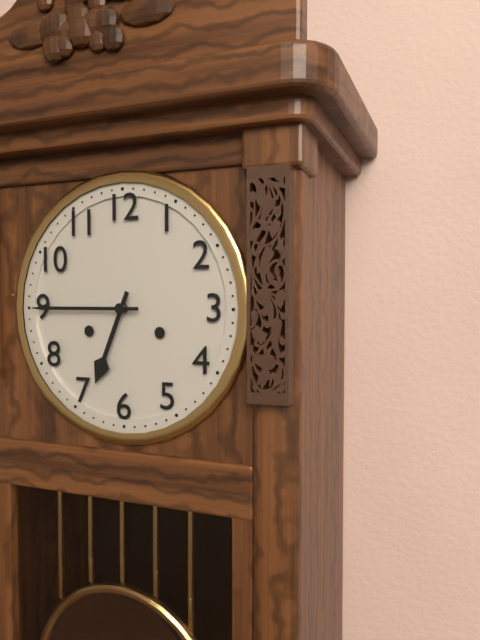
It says 6 h 45 min
